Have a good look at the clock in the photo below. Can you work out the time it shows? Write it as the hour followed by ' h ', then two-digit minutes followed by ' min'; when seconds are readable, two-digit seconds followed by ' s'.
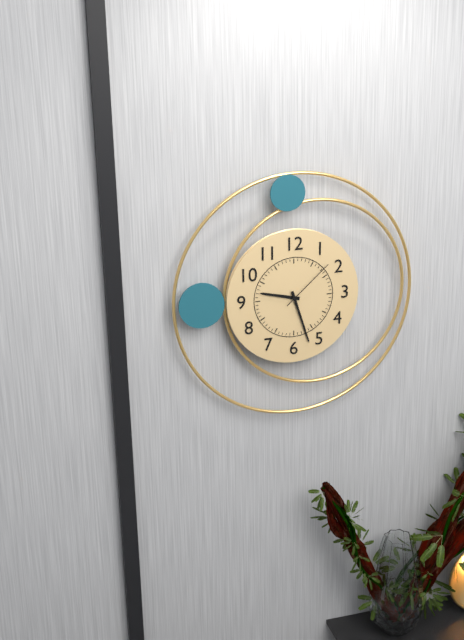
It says 9 h 27 min 08 s
